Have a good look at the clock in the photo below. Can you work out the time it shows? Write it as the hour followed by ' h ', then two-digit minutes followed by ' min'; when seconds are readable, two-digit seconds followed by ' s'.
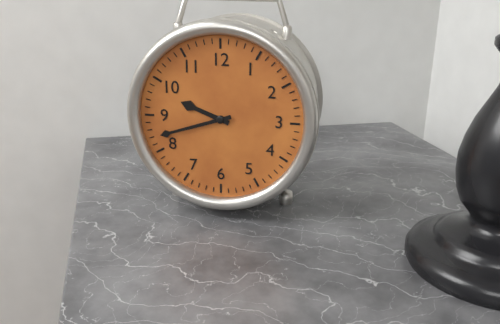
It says 9 h 42 min
